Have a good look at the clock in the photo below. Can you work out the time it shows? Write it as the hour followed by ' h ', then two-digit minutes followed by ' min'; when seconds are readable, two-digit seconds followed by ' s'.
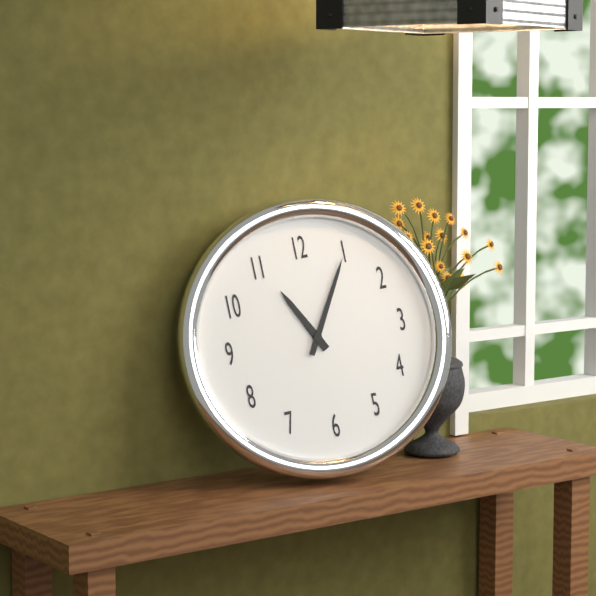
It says 11 h 05 min
